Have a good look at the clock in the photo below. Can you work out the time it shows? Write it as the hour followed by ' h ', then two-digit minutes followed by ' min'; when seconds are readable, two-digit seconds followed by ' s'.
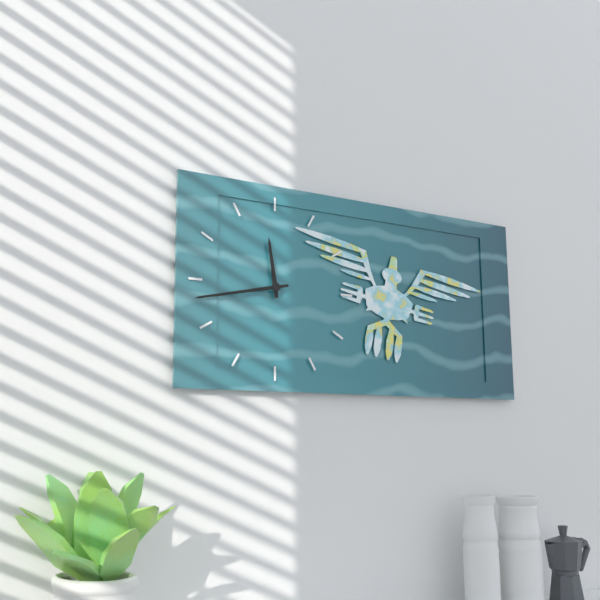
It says 11 h 43 min
